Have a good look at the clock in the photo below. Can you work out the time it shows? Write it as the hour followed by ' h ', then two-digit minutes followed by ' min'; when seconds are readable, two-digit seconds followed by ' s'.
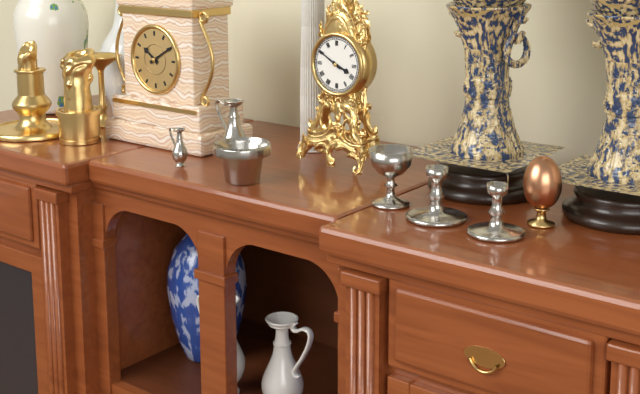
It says 3 h 50 min
